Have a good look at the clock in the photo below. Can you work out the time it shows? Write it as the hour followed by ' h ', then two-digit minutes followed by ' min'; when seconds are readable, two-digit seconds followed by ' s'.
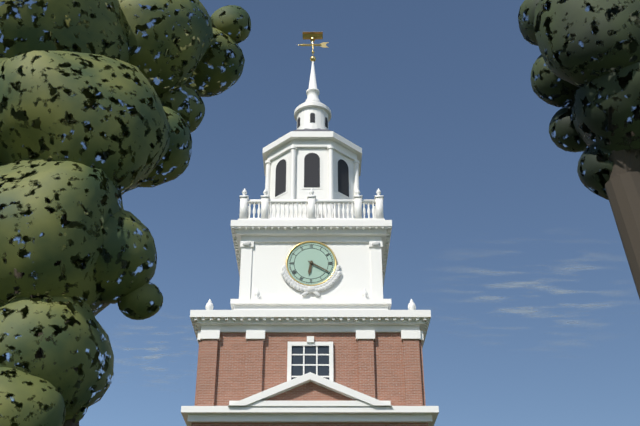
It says 6 h 20 min
